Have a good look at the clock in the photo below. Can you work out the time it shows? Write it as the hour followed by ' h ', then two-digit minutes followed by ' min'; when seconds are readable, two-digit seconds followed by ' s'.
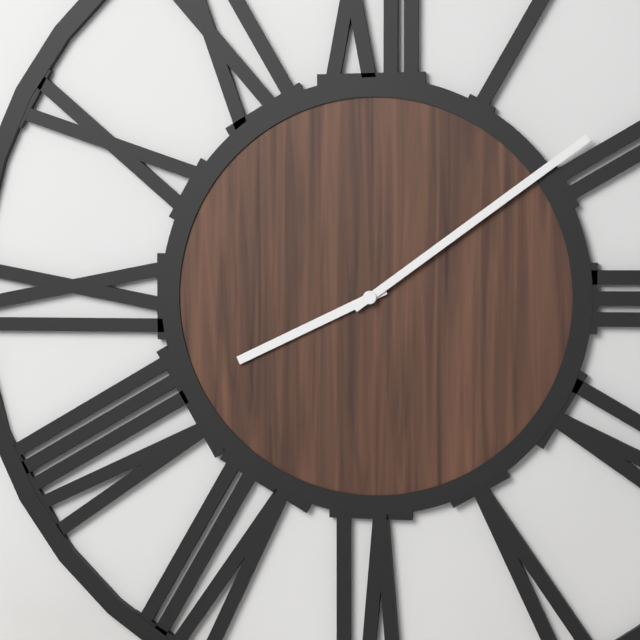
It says 8 h 09 min
